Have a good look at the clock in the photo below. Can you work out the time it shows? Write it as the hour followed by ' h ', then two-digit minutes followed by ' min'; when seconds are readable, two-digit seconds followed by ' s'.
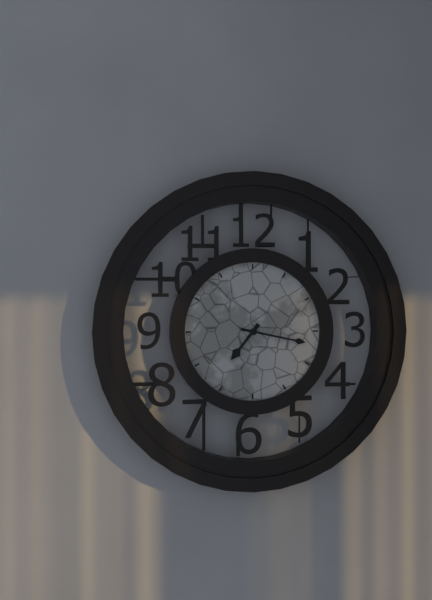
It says 7 h 17 min
